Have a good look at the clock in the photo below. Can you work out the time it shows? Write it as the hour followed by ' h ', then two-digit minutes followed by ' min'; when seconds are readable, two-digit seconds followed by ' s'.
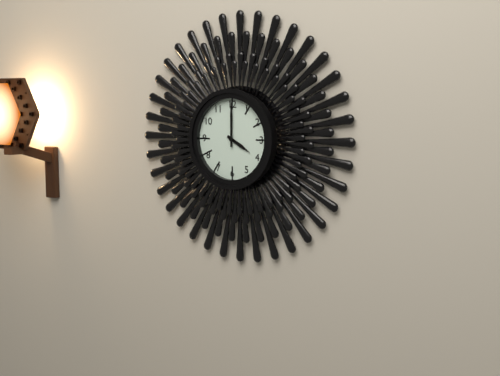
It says 4 h 00 min
